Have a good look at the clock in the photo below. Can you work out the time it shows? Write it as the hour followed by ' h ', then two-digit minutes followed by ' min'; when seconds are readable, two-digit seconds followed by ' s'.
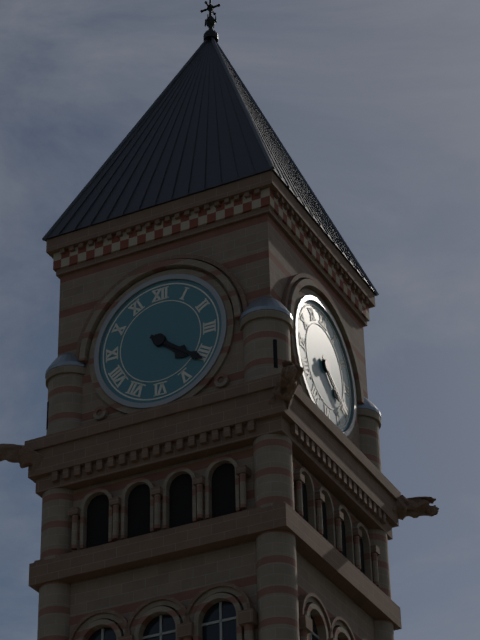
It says 4 h 21 min
